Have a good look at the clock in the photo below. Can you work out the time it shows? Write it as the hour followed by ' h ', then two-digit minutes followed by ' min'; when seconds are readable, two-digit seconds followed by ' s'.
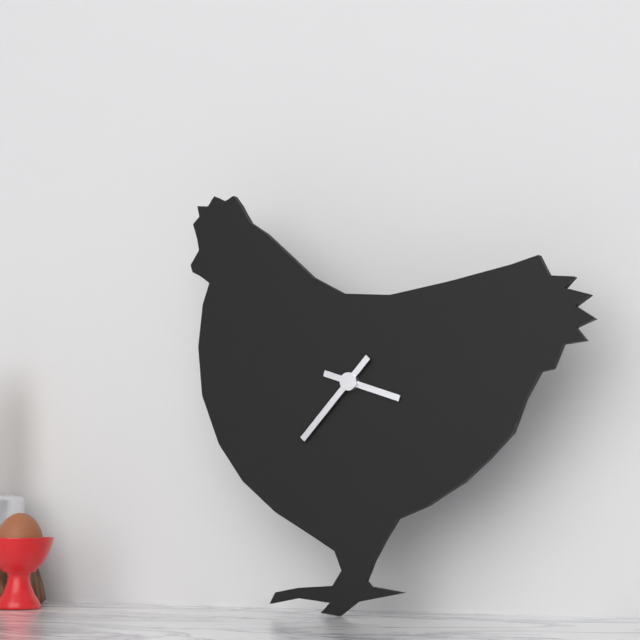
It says 3 h 37 min
